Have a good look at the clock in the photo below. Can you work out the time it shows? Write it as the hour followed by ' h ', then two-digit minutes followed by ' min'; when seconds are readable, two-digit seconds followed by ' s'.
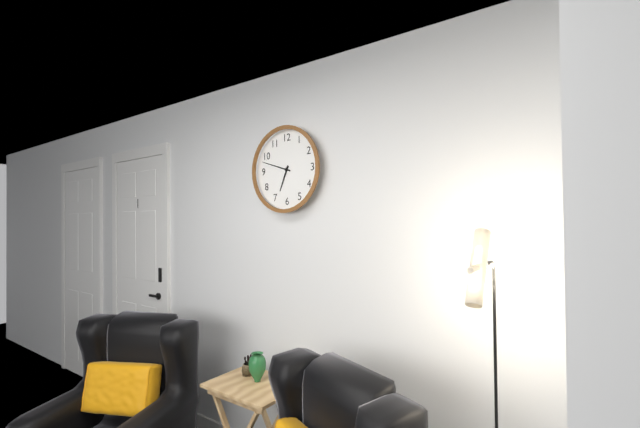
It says 6 h 48 min
